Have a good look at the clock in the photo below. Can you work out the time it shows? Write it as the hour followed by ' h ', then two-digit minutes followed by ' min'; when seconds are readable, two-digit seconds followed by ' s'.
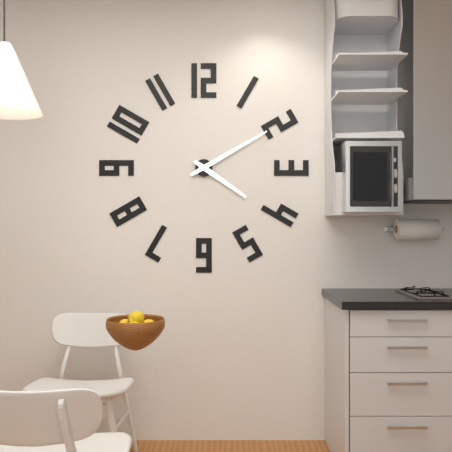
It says 4 h 10 min
